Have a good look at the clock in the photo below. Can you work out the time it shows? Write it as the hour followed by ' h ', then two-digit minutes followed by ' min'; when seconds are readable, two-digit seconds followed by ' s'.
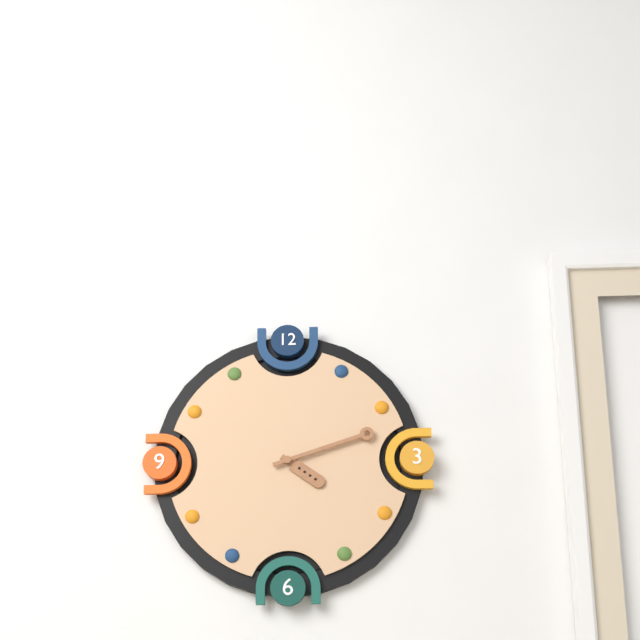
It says 4 h 12 min
